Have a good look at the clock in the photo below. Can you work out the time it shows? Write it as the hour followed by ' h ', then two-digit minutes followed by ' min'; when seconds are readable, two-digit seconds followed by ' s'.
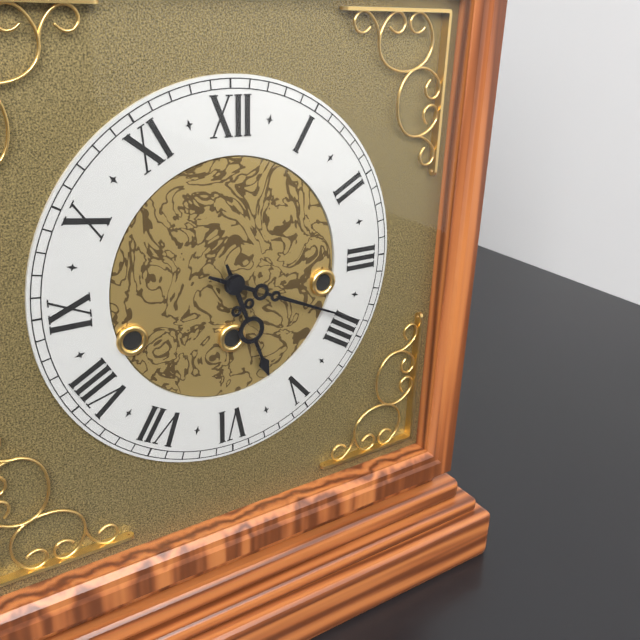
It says 5 h 19 min
